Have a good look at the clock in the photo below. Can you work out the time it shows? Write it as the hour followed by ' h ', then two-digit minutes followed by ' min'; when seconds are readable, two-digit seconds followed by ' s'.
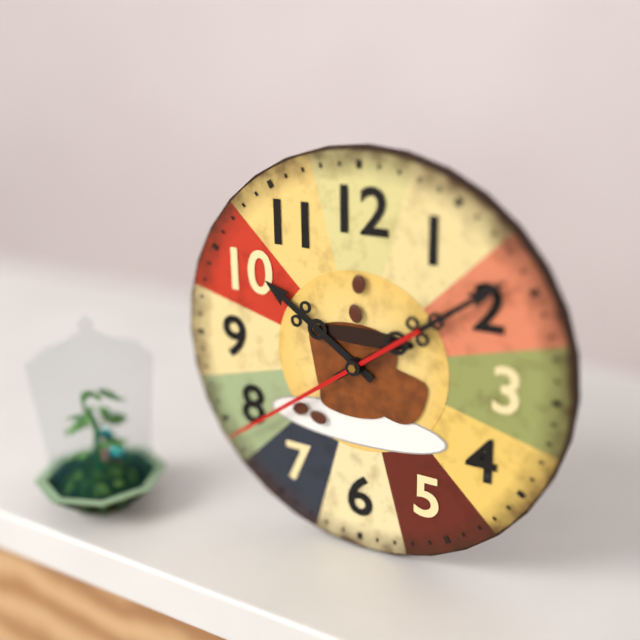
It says 10 h 09 min 39 s
